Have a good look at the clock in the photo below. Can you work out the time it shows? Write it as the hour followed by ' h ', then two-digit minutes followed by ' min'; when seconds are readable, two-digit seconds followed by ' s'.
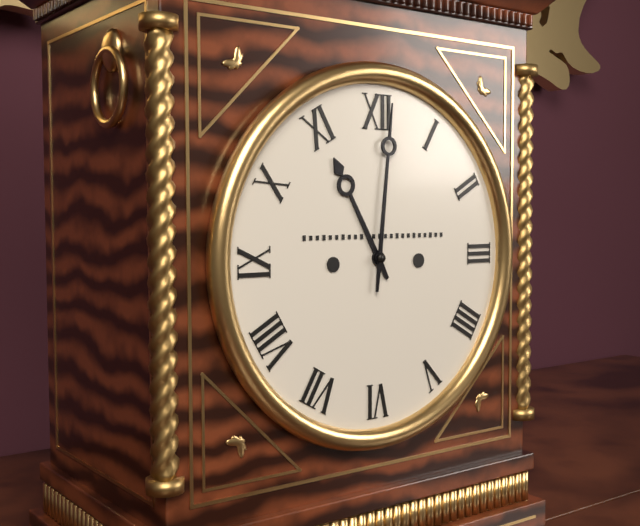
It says 11 h 01 min
